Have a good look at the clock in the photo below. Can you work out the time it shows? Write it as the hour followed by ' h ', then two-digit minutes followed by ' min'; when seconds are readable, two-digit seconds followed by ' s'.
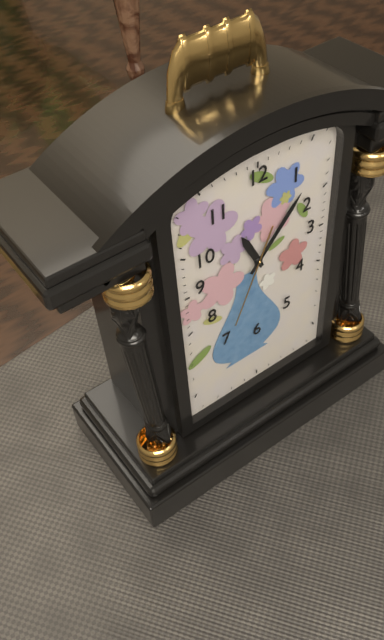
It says 11 h 07 min 34 s
